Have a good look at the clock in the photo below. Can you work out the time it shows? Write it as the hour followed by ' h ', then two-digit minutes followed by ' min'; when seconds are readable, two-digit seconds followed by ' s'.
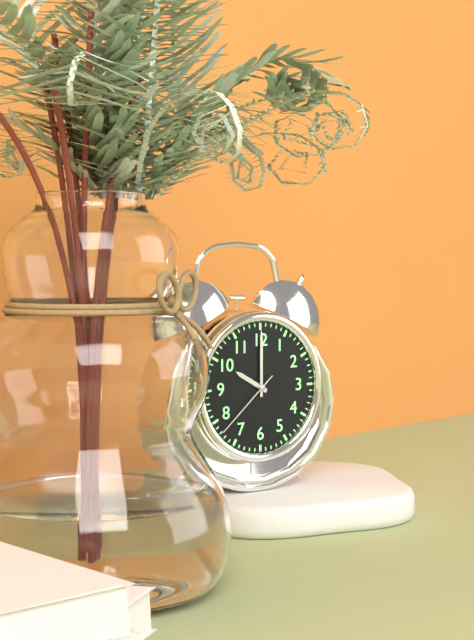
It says 10 h 00 min 38 s
